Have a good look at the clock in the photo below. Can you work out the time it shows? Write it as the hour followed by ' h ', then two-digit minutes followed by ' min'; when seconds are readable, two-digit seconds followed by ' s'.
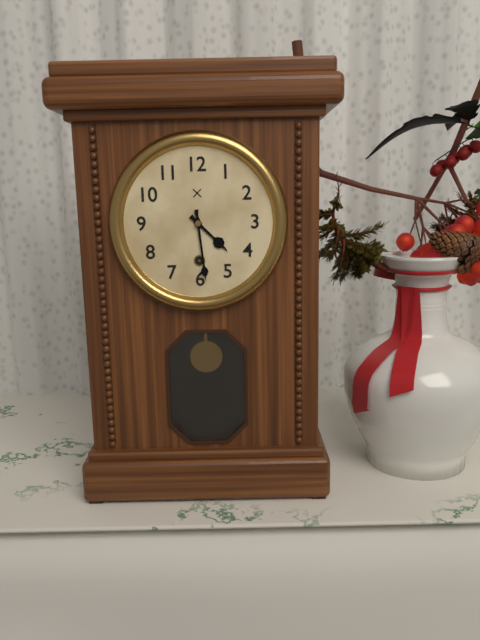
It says 4 h 29 min
